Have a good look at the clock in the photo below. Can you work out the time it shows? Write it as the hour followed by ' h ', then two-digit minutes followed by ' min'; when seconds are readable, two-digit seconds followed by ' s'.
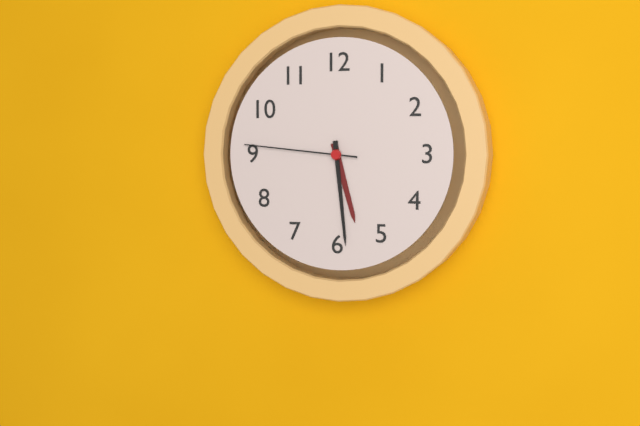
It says 5 h 29 min 46 s
